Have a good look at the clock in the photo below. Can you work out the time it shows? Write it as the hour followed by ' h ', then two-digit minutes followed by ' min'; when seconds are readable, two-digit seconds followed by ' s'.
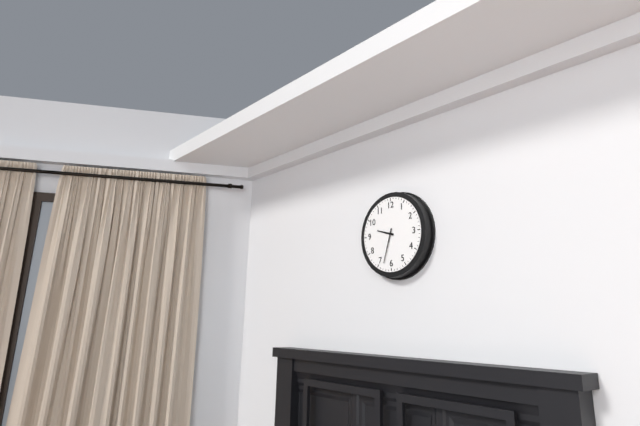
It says 9 h 33 min
